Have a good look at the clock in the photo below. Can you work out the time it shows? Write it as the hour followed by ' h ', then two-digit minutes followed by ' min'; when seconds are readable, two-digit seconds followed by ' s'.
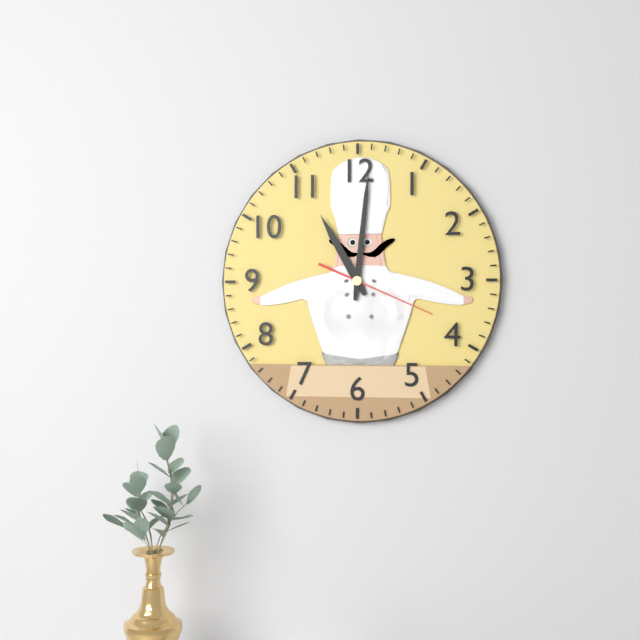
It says 11 h 01 min 19 s
